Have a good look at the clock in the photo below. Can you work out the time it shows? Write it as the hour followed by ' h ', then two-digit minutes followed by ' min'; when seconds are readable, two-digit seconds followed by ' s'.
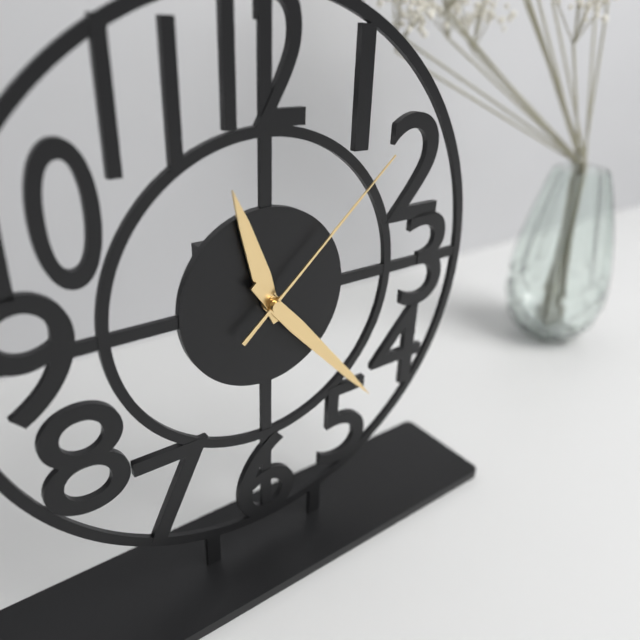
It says 11 h 23 min 08 s
